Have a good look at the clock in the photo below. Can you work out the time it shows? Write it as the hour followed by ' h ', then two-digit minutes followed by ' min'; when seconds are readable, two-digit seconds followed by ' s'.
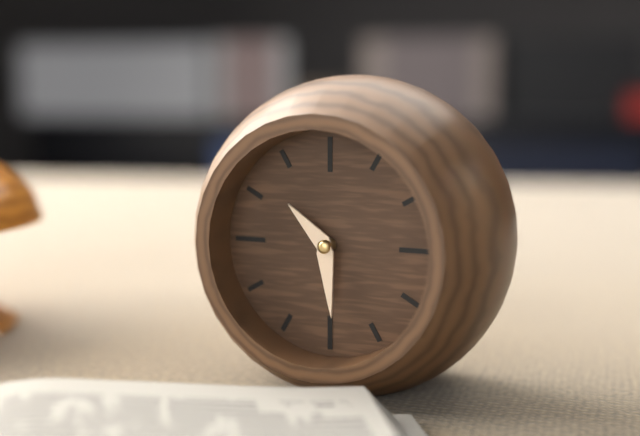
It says 10 h 29 min
